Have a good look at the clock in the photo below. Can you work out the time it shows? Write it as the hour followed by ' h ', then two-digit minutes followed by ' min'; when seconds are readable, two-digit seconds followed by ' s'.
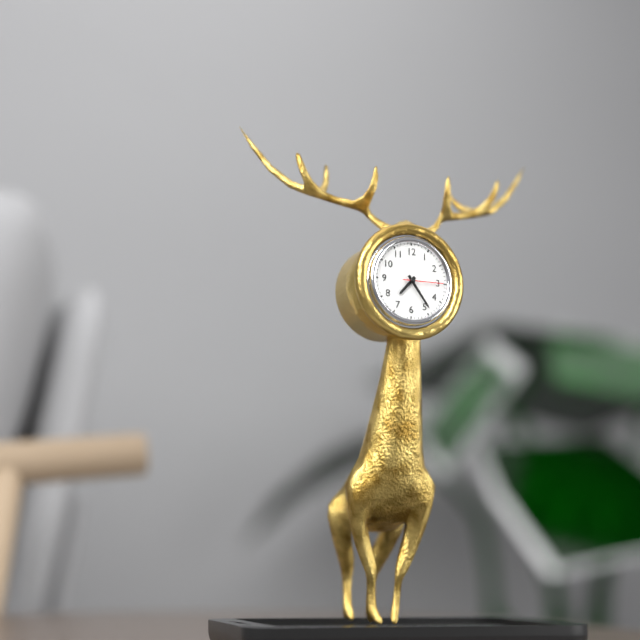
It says 7 h 24 min
